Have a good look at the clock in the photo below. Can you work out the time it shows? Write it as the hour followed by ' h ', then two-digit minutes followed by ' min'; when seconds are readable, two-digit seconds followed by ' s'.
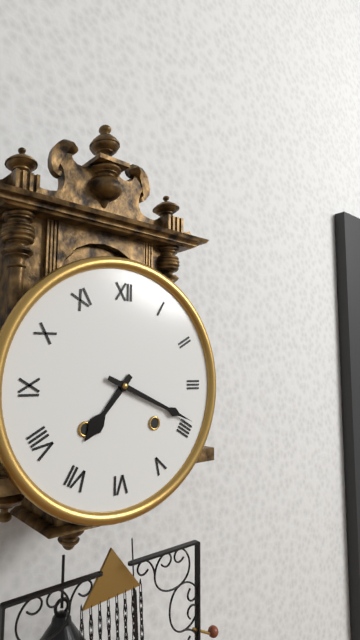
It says 7 h 19 min
